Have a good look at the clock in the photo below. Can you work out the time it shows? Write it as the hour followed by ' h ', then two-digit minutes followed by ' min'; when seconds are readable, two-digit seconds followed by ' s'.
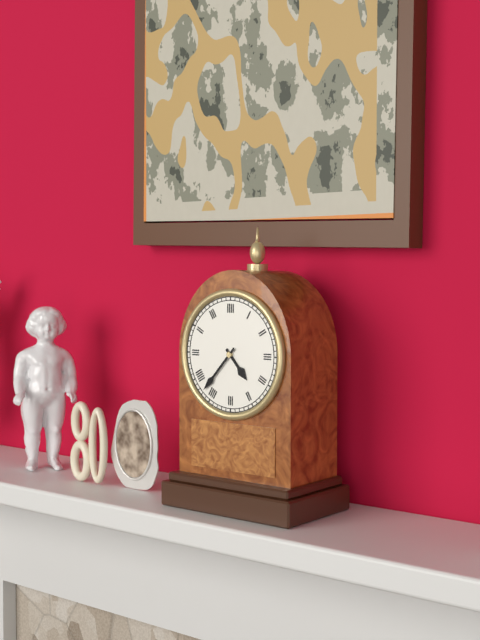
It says 4 h 37 min
